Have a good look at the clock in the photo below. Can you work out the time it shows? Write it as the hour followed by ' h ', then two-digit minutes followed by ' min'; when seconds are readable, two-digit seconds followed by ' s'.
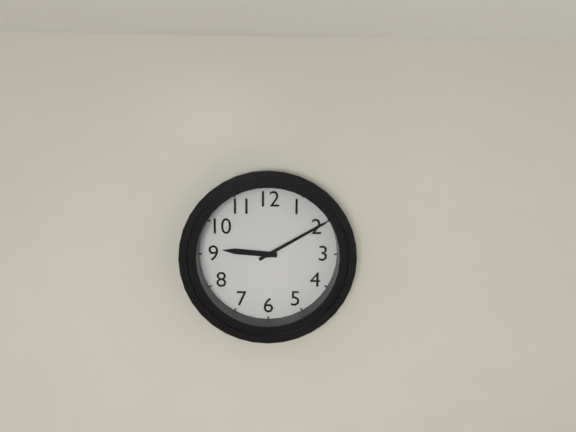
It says 9 h 10 min
